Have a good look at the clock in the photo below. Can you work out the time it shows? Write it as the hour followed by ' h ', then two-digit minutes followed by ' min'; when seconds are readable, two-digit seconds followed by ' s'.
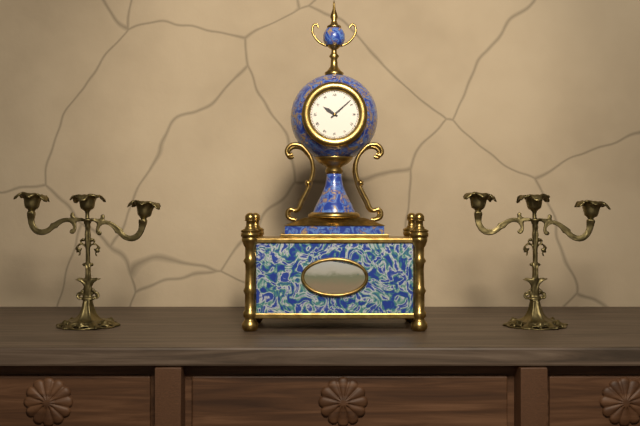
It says 10 h 08 min
